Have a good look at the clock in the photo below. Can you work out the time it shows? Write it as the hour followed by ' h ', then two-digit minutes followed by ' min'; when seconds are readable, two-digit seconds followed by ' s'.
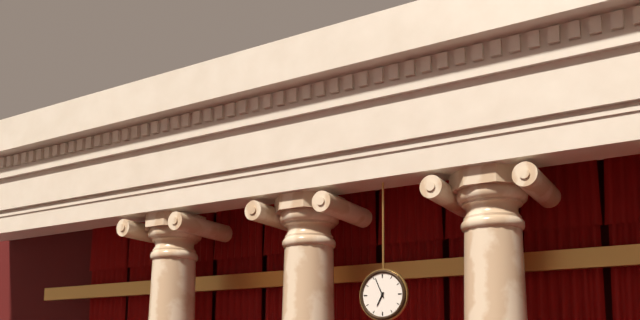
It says 6 h 56 min
